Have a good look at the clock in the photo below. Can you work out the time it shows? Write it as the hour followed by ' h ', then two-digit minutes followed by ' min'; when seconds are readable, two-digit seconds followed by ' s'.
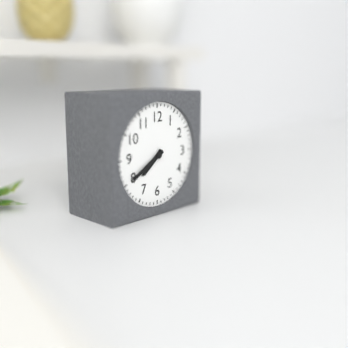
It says 7 h 40 min
